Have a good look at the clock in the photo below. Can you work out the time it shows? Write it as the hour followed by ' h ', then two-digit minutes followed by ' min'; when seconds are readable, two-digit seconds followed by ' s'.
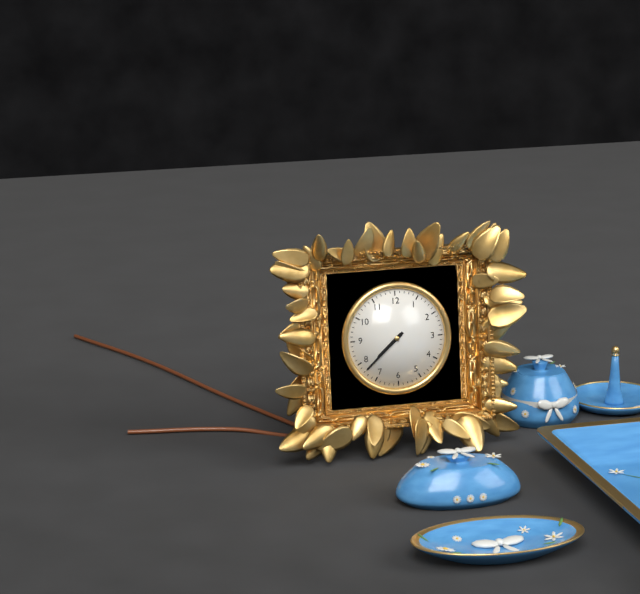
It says 7 h 38 min
